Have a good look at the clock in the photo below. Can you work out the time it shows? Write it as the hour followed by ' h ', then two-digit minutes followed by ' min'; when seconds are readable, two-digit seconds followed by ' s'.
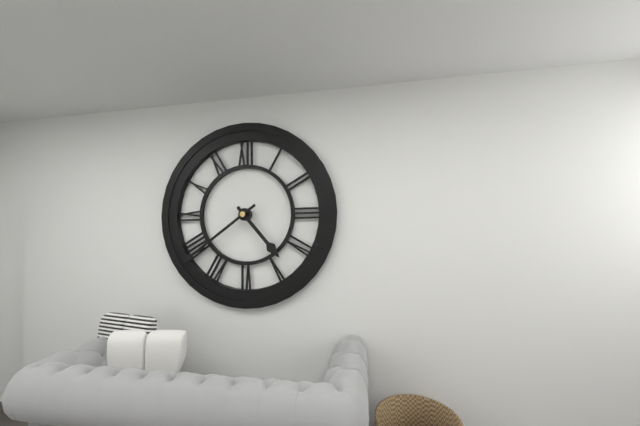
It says 4 h 39 min
